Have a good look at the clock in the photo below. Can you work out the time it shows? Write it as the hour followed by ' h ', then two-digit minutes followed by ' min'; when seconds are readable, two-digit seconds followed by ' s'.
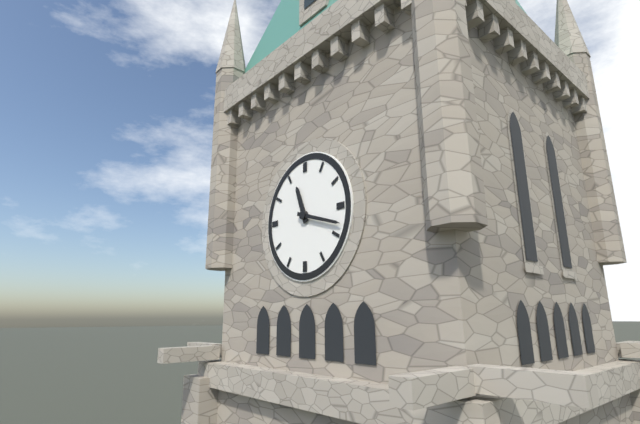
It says 11 h 18 min
